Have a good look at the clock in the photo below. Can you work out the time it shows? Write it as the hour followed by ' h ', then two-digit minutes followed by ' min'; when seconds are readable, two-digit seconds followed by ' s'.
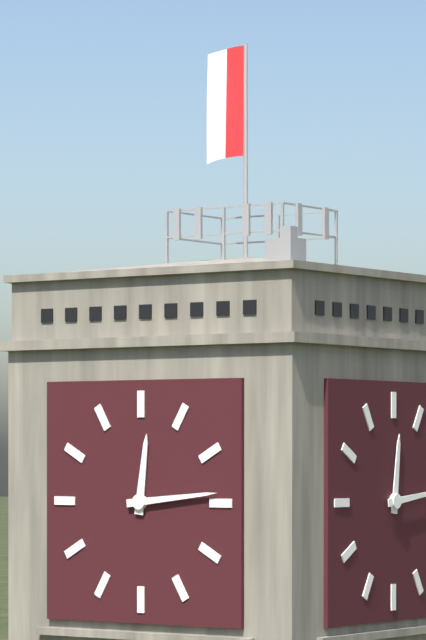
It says 12 h 14 min
